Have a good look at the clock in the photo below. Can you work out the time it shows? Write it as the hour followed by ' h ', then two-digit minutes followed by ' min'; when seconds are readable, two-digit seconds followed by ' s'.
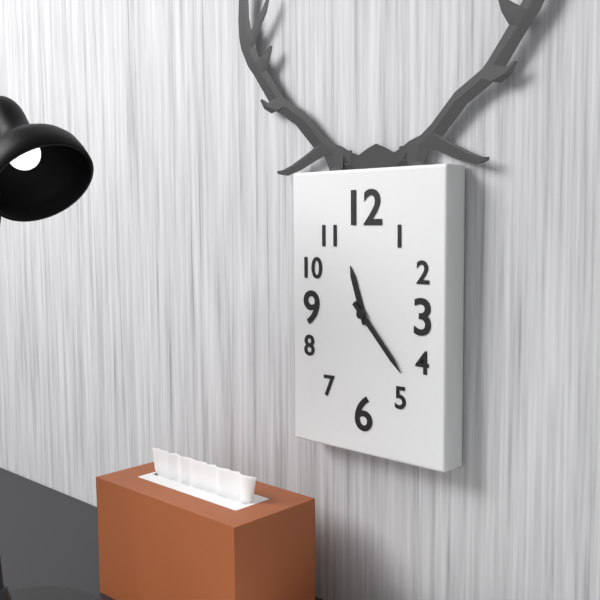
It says 11 h 23 min
